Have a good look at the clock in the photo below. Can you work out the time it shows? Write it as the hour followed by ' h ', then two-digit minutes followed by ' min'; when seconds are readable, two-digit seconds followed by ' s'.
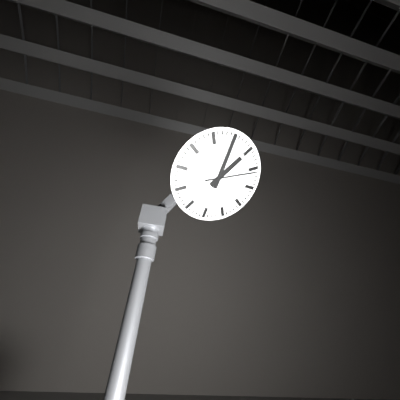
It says 1 h 00 min
